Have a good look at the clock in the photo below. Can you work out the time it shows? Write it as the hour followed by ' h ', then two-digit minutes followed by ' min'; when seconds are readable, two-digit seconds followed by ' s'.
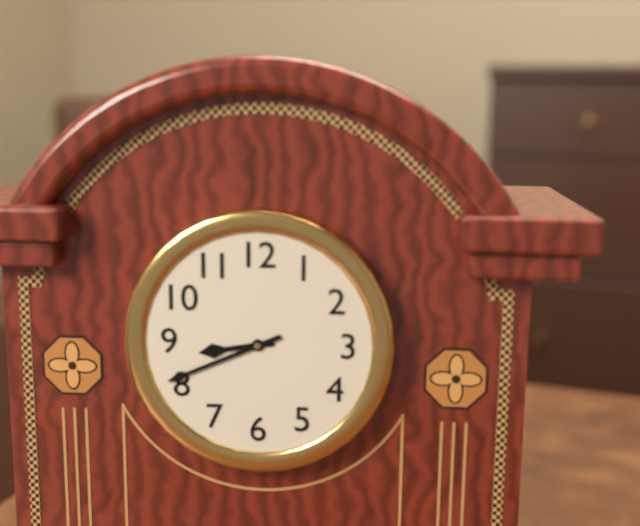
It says 8 h 41 min
